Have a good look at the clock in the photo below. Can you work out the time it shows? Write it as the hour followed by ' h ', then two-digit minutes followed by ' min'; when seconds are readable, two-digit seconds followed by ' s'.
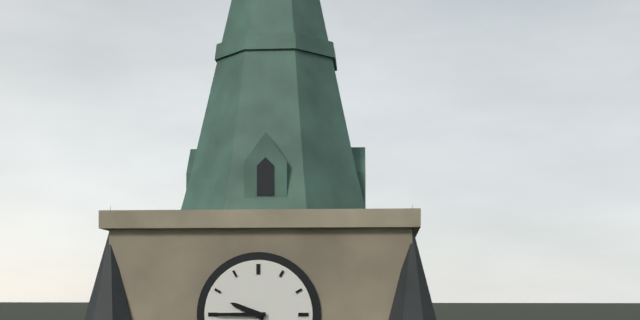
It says 9 h 45 min
